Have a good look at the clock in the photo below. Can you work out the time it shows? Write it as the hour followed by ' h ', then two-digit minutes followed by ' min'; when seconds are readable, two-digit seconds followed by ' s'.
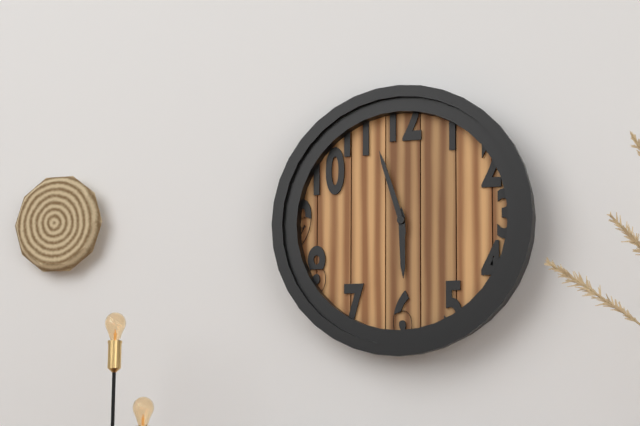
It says 5 h 57 min
